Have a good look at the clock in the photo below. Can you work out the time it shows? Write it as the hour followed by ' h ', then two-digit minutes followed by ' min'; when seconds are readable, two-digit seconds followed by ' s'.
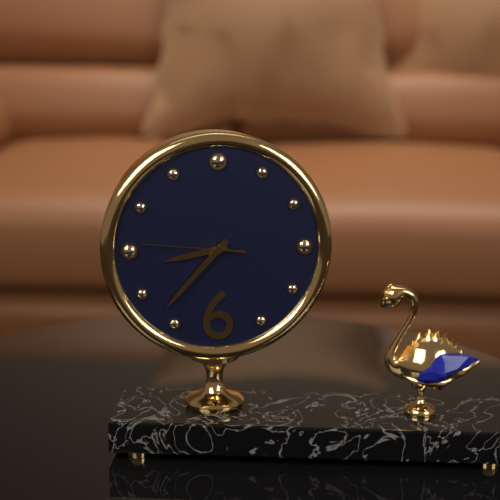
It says 8 h 37 min 46 s
